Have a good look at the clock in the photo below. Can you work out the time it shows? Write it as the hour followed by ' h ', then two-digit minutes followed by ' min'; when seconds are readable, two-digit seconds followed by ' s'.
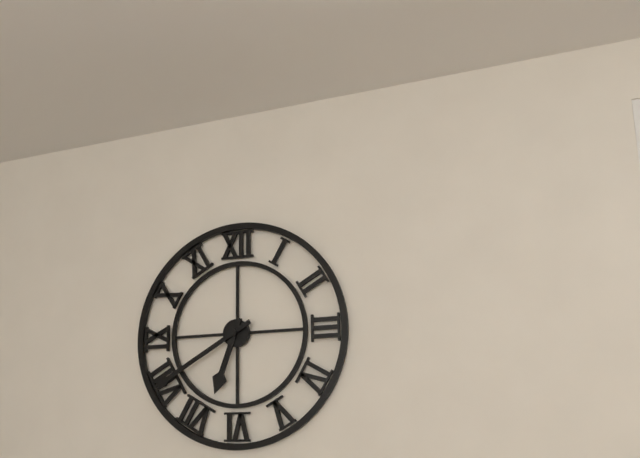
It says 6 h 40 min
